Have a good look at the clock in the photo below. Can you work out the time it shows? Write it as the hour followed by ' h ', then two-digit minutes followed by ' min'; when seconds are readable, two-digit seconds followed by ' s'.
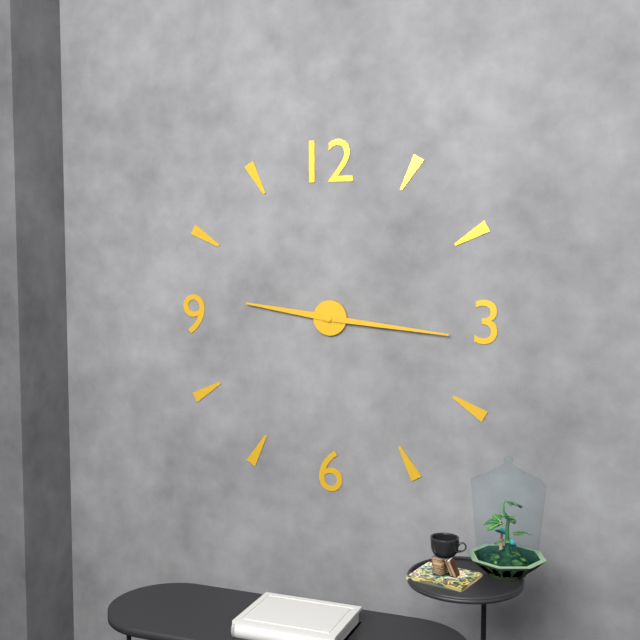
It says 9 h 16 min
